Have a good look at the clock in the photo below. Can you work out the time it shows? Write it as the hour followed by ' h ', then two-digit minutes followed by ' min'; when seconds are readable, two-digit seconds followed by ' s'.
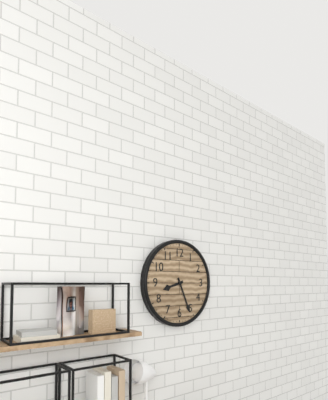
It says 8 h 26 min
